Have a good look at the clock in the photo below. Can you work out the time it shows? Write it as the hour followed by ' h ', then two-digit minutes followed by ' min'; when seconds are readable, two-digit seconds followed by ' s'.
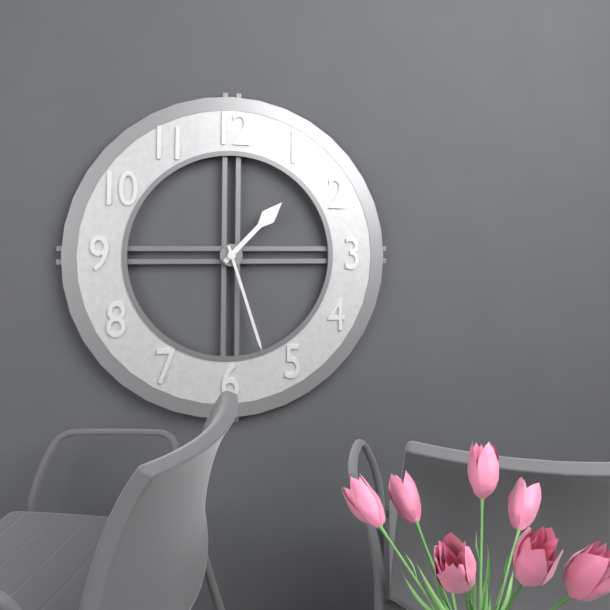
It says 1 h 27 min
